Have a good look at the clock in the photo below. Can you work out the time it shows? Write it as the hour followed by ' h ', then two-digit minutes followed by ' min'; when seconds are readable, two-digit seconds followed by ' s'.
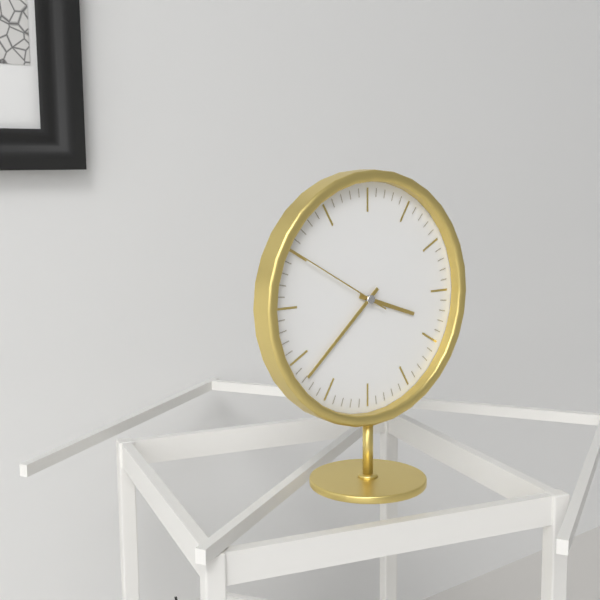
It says 3 h 38 min 50 s
